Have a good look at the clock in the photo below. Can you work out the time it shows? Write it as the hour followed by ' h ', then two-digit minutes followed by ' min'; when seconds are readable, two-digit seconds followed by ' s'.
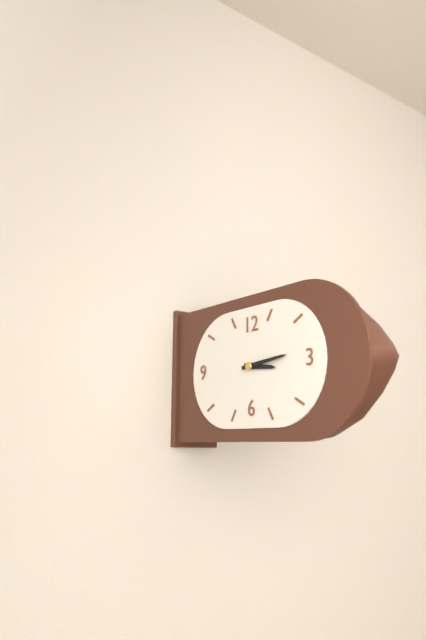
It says 3 h 14 min
